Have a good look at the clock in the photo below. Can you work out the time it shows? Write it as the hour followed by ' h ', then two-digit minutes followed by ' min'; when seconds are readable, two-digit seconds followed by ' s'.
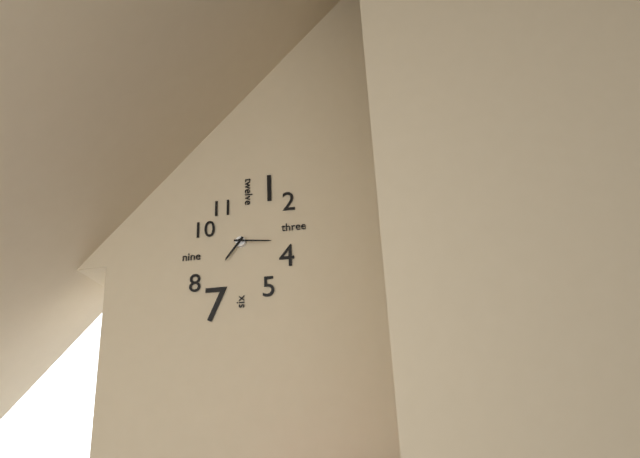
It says 7 h 16 min
